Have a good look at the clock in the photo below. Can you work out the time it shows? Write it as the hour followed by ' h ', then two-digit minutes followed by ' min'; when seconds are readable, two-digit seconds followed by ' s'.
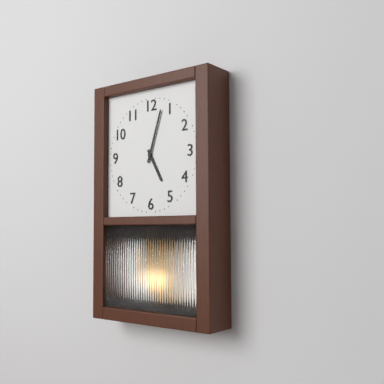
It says 5 h 03 min
